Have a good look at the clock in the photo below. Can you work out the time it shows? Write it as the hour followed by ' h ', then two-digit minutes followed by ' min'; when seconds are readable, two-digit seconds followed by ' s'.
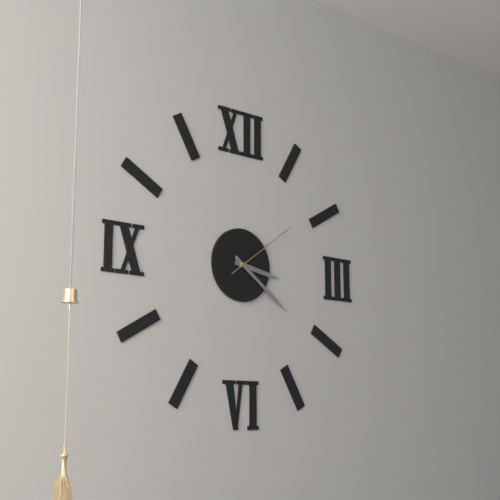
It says 3 h 21 min 09 s
